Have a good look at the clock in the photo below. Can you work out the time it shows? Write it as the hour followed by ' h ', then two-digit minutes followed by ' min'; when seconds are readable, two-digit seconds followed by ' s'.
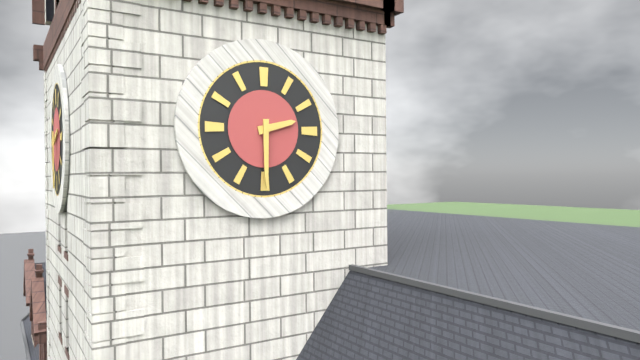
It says 2 h 30 min
